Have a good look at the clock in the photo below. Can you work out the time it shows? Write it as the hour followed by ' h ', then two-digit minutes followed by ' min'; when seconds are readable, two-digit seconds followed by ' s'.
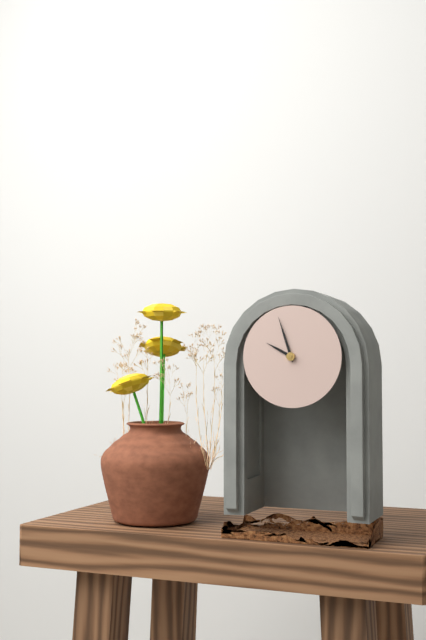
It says 9 h 57 min
